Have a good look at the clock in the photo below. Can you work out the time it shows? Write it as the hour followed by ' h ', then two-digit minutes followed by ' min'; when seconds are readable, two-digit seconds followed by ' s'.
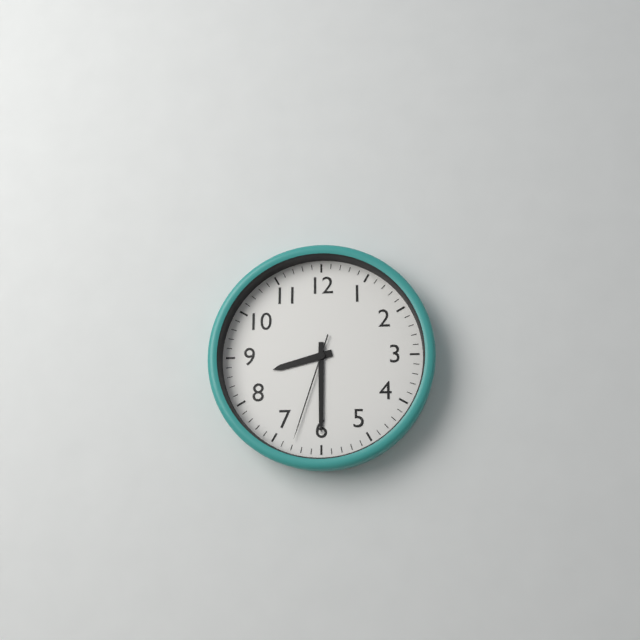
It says 8 h 30 min 33 s
